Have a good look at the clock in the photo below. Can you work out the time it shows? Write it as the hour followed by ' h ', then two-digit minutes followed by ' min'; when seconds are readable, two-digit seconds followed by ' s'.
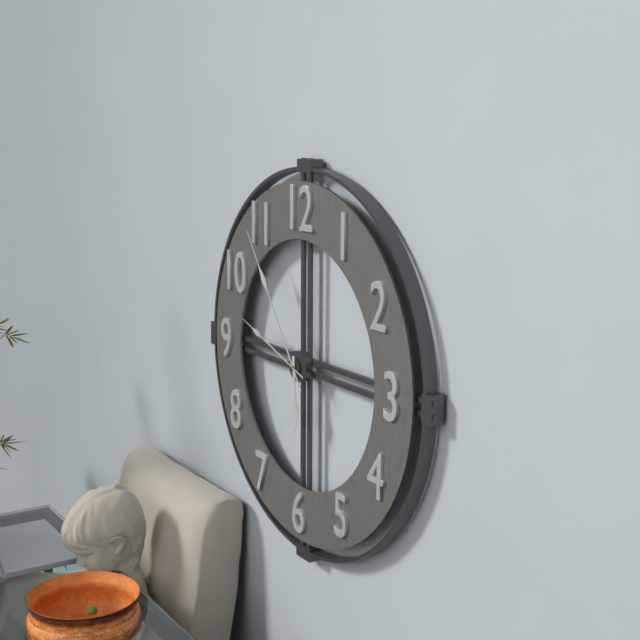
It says 5 h 54 min 48 s
